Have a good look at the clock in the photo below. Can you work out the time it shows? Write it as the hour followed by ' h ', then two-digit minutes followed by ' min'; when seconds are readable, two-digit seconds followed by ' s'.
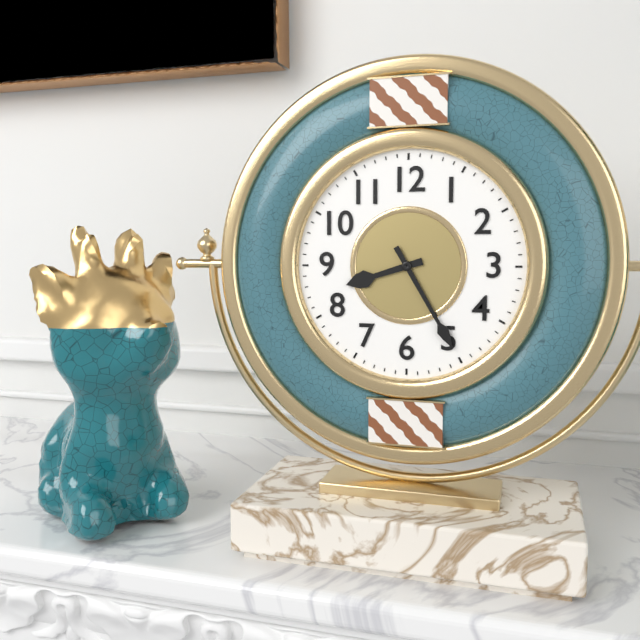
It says 8 h 25 min
